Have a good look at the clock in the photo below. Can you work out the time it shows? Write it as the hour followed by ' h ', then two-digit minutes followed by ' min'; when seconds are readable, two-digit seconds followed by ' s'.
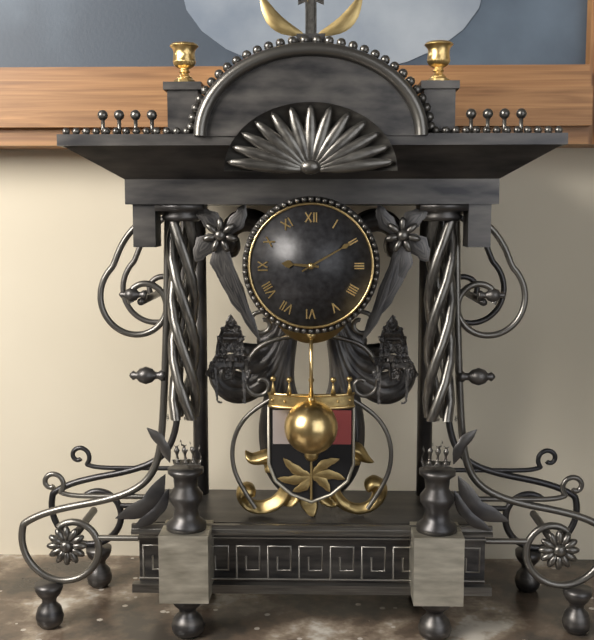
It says 9 h 10 min
